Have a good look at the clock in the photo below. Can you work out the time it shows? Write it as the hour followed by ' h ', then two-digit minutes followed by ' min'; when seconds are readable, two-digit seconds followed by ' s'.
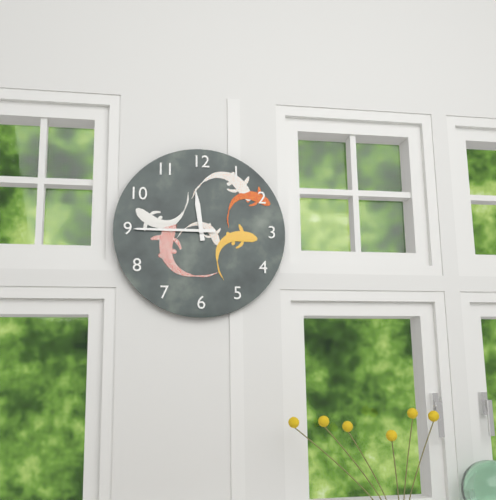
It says 11 h 45 min
